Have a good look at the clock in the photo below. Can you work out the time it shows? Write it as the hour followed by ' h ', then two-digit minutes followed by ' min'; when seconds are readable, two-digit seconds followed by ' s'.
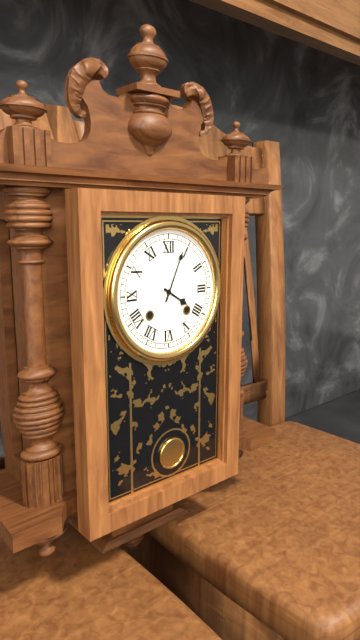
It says 4 h 04 min
